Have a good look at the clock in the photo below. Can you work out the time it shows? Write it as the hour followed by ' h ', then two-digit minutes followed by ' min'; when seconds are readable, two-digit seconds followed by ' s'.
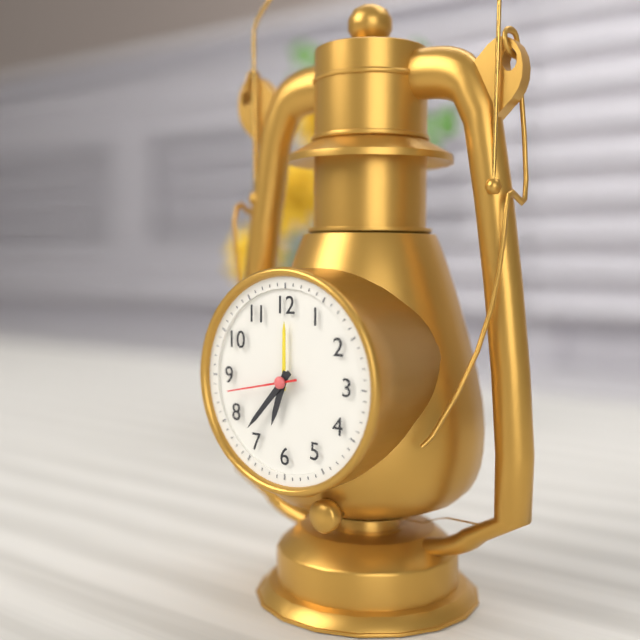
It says 6 h 37 min 43 s
